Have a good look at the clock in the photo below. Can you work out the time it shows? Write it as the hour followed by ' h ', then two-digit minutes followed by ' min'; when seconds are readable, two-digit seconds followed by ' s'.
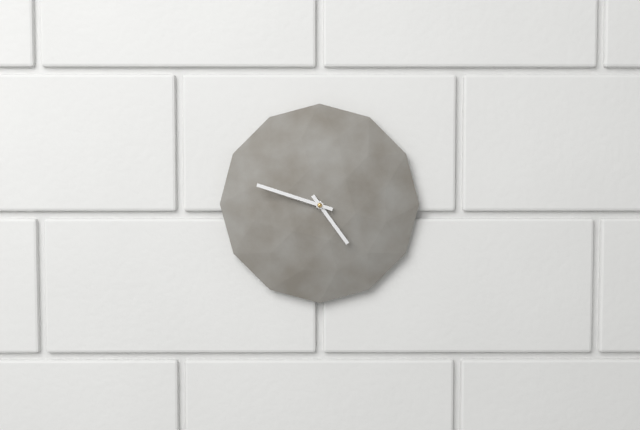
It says 4 h 48 min
